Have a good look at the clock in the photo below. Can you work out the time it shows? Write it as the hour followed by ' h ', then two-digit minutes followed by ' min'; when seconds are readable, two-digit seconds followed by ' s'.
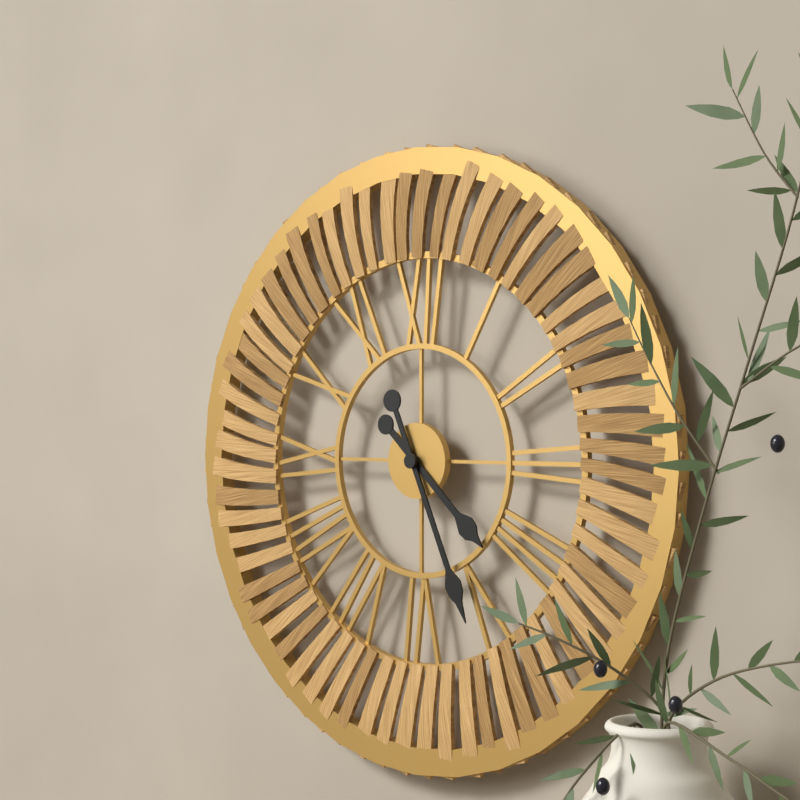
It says 4 h 26 min
